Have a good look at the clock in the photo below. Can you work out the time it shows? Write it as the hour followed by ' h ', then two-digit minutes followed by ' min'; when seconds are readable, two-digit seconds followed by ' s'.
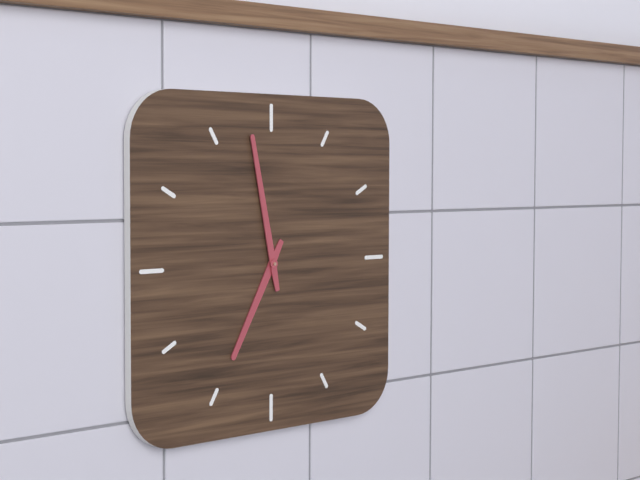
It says 6 h 58 min
